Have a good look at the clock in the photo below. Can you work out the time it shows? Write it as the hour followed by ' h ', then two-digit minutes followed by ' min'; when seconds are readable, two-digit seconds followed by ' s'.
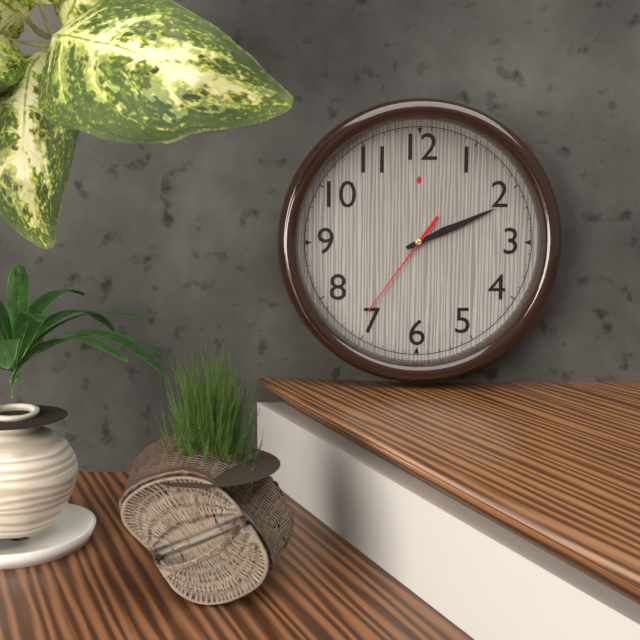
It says 2 h 11 min 36 s
